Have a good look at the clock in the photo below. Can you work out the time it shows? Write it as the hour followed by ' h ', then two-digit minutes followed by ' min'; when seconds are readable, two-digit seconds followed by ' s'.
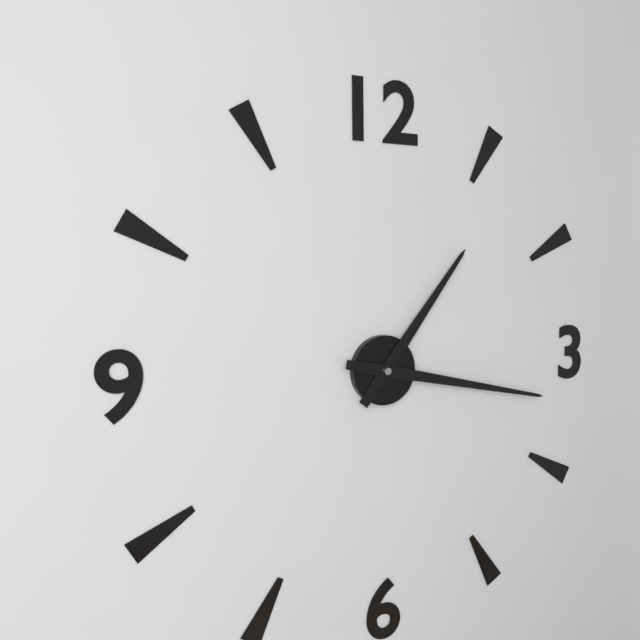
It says 1 h 17 min
